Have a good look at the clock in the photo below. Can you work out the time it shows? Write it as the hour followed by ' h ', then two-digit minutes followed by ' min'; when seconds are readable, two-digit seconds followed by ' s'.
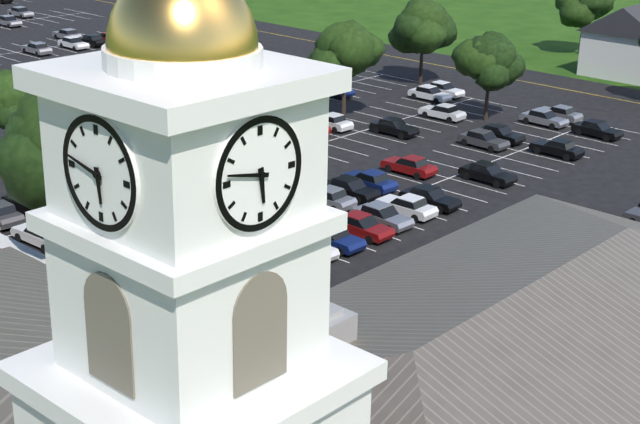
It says 5 h 47 min
